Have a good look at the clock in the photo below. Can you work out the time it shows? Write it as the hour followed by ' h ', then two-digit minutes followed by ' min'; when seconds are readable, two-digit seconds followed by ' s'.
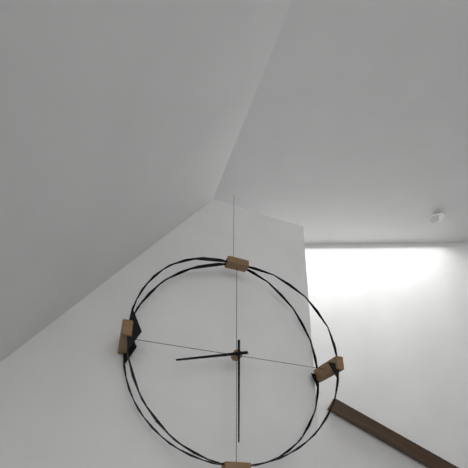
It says 8 h 30 min
